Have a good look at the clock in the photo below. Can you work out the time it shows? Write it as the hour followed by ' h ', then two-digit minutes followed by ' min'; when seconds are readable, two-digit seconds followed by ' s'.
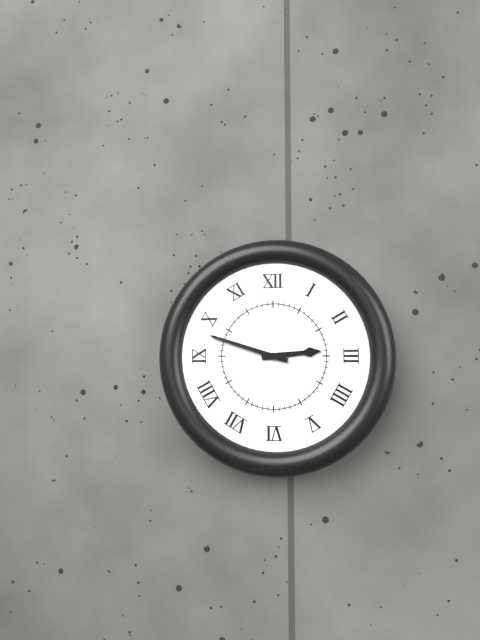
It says 2 h 48 min
